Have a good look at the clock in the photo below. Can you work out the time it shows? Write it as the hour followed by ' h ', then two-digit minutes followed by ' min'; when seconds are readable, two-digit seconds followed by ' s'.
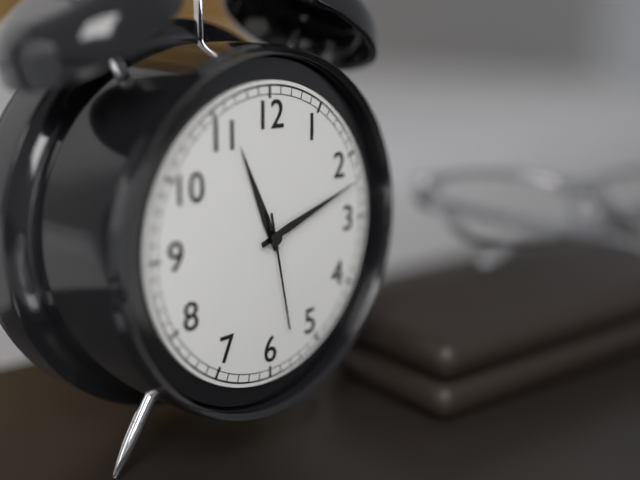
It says 11 h 12 min 28 s
